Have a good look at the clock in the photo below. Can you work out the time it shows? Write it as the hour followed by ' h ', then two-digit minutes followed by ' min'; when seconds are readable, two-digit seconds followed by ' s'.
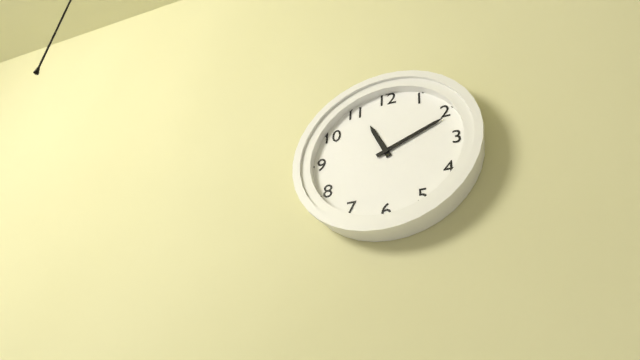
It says 11 h 11 min
